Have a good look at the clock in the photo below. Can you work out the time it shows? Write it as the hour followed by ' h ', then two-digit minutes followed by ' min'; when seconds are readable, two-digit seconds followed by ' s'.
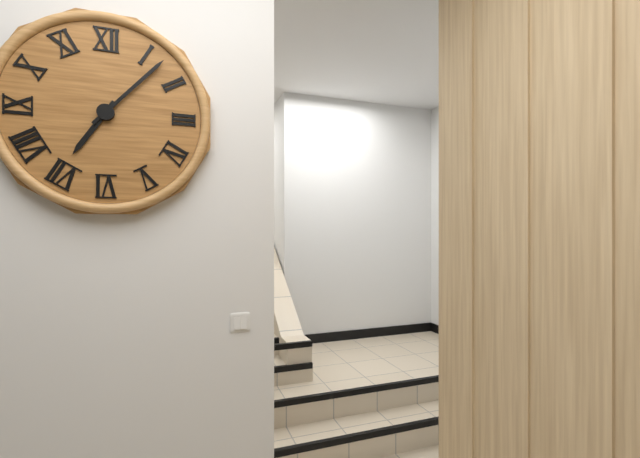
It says 7 h 07 min
